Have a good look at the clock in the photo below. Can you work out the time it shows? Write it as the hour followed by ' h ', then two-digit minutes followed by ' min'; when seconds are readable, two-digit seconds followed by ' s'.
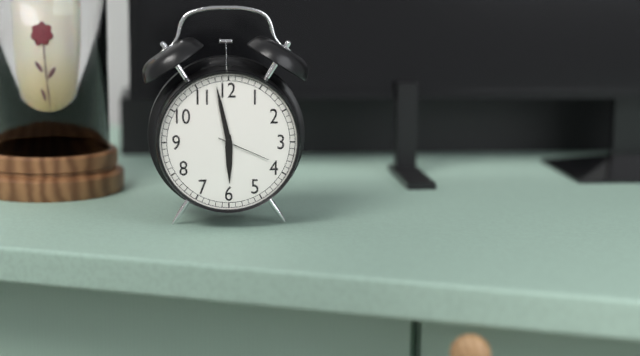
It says 5 h 58 min 19 s
